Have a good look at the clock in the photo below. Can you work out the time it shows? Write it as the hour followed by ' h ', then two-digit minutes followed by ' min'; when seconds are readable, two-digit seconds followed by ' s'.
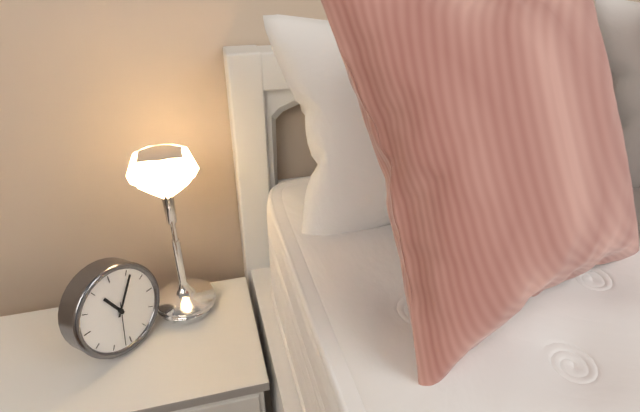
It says 11 h 06 min
